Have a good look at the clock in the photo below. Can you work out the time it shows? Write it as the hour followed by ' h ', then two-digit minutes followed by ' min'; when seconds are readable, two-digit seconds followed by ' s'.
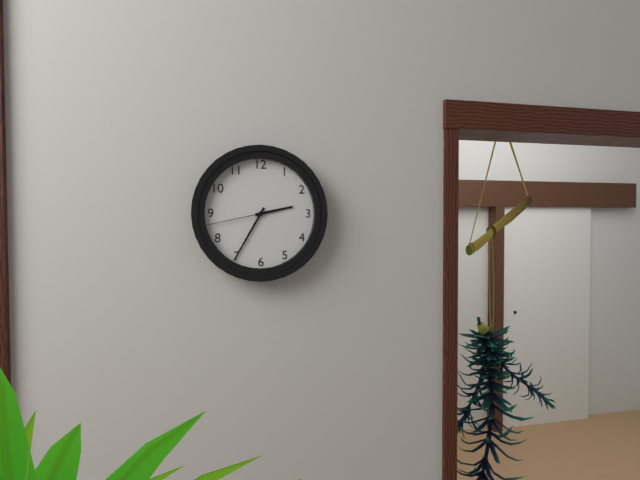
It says 2 h 35 min 43 s
